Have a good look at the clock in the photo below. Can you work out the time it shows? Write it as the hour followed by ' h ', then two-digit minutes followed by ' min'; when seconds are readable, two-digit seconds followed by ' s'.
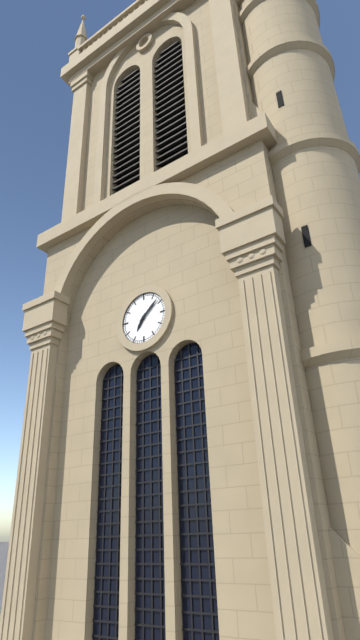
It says 7 h 08 min
